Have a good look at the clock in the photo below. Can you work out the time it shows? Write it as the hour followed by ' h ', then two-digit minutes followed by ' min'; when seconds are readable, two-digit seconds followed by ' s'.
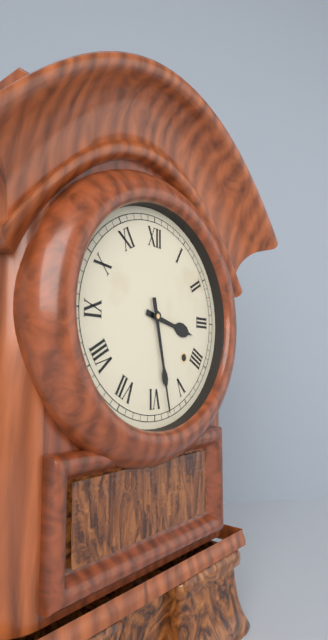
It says 3 h 28 min
